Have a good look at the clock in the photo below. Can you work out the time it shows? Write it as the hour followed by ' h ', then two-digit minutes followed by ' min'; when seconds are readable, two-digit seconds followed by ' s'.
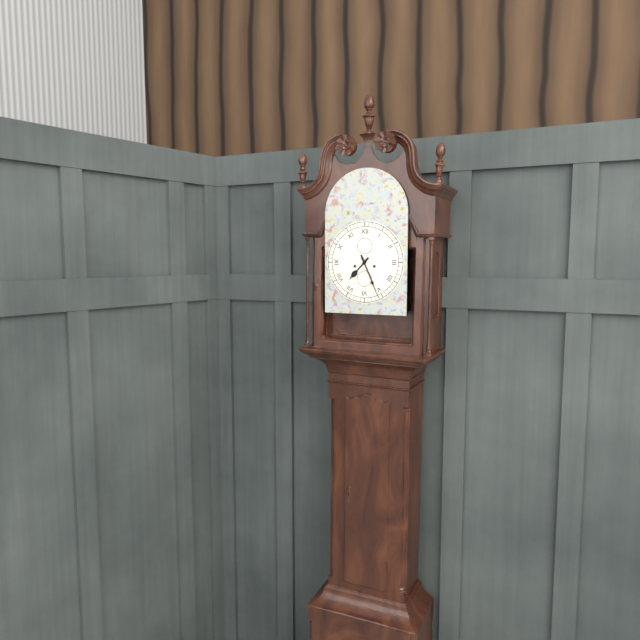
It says 7 h 26 min
